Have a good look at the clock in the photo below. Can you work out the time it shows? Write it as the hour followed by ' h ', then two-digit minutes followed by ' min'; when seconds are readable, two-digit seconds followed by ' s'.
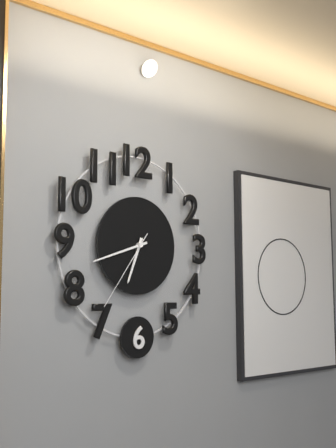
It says 6 h 42 min 36 s
